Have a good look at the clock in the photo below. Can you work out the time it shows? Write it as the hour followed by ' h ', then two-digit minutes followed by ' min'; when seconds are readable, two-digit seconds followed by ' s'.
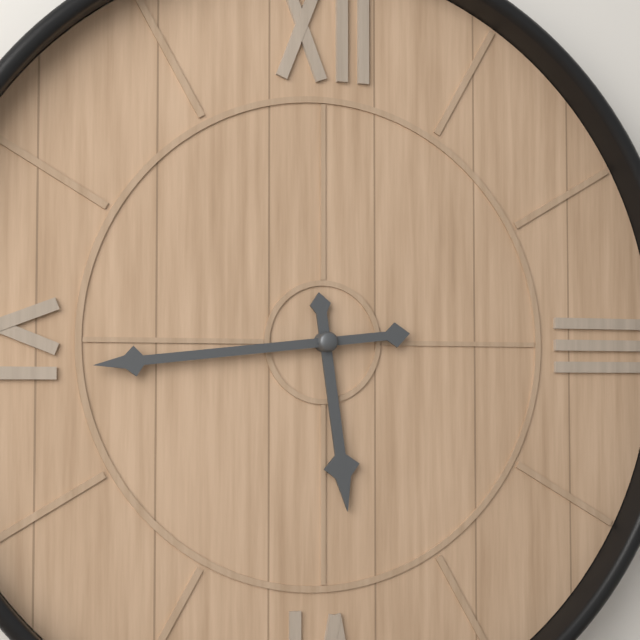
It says 5 h 44 min
